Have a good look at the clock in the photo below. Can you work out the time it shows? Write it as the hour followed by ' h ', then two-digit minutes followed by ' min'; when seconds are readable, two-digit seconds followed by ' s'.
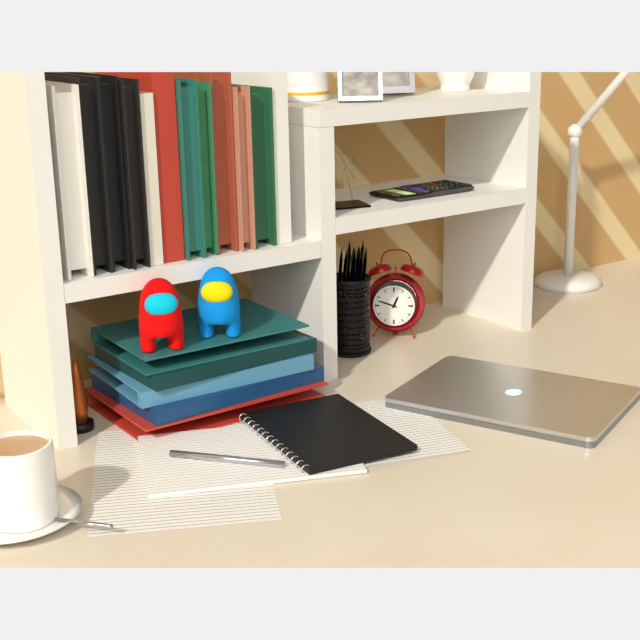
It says 12 h 48 min
